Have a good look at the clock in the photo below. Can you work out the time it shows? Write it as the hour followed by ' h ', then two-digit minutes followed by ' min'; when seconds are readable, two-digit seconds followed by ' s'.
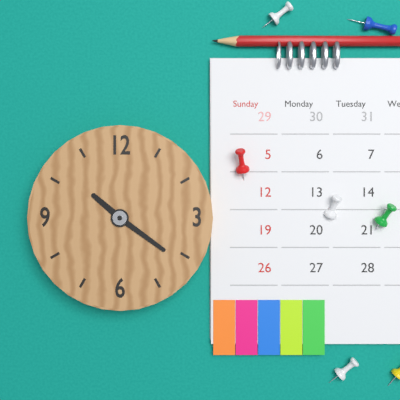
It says 10 h 21 min
